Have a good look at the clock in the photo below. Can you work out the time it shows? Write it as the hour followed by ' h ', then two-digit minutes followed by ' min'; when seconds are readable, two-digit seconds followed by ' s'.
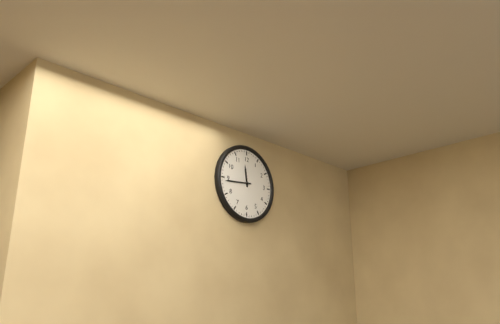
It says 11 h 44 min
